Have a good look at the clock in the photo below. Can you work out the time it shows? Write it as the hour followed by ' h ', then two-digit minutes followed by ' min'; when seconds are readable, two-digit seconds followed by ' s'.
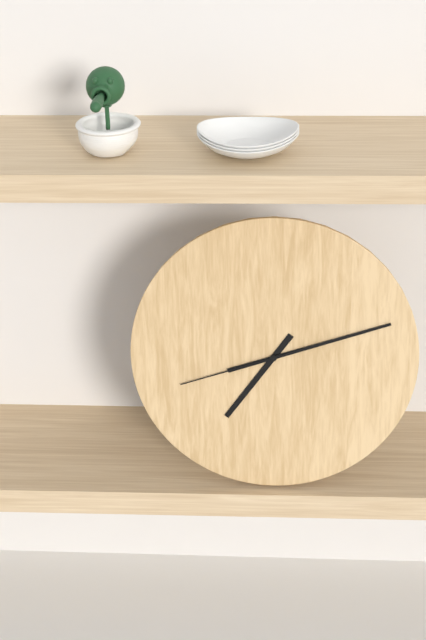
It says 7 h 12 min 42 s
